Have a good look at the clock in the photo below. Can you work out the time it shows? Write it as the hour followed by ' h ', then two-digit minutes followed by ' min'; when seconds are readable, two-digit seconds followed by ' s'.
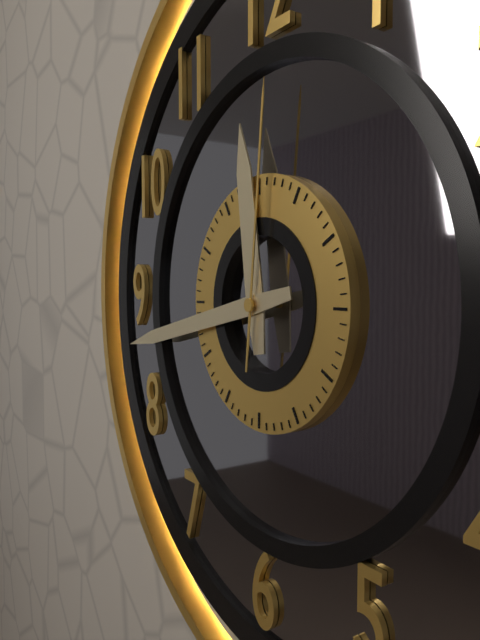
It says 11 h 43 min 01 s
